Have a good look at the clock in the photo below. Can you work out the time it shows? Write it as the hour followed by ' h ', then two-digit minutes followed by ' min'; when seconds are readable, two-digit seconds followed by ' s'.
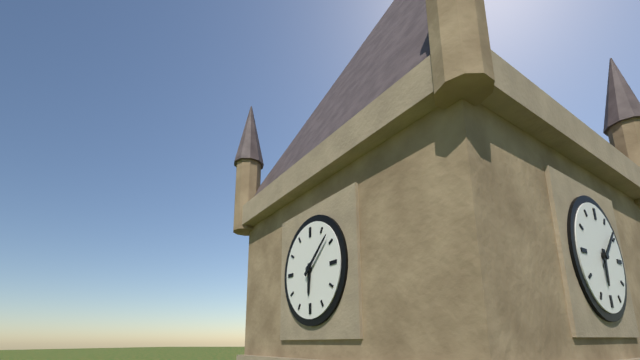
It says 6 h 08 min
